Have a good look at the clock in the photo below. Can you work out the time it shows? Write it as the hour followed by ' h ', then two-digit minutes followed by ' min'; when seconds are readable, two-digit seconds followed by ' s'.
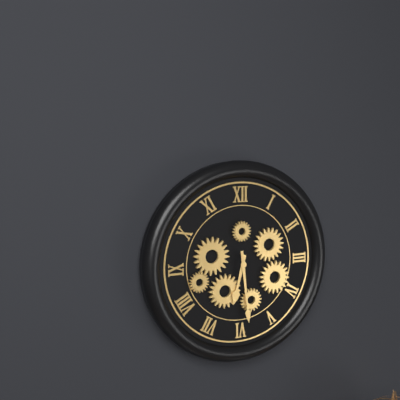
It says 6 h 29 min
